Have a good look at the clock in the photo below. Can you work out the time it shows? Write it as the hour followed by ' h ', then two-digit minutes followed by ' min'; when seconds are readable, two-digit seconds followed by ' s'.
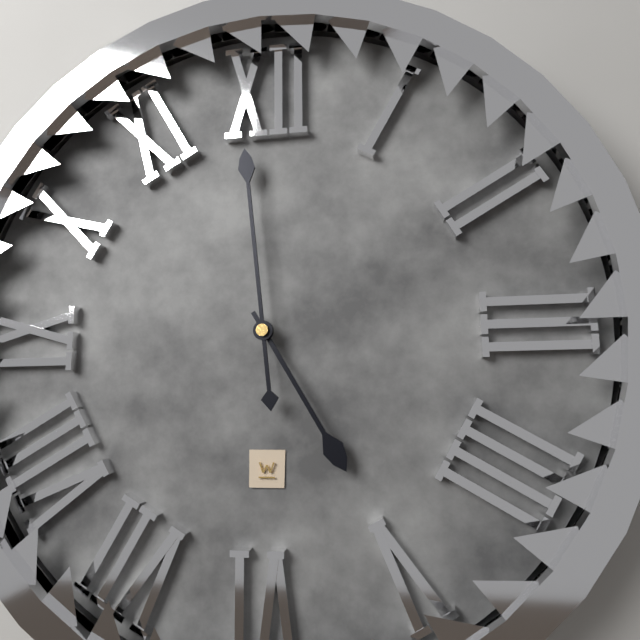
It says 4 h 59 min
